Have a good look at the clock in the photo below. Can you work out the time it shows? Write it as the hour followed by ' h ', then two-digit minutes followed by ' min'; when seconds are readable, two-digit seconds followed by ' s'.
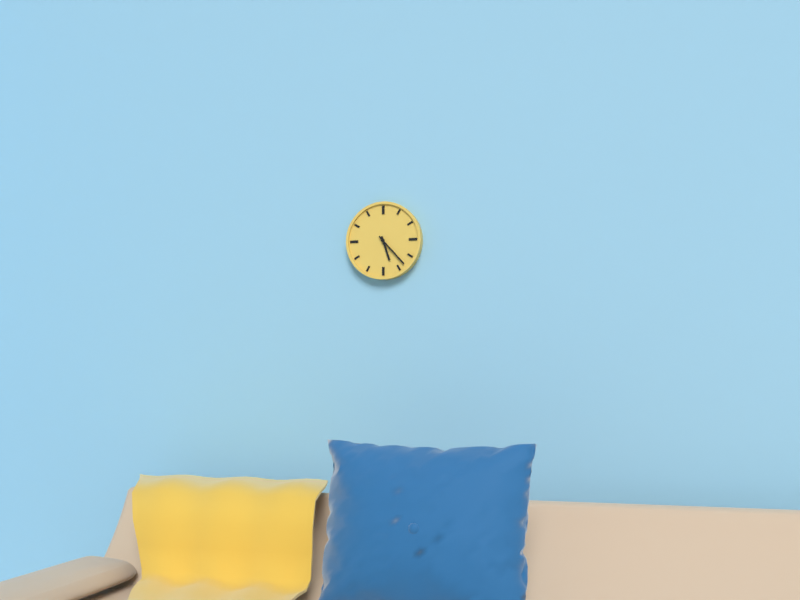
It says 5 h 23 min
